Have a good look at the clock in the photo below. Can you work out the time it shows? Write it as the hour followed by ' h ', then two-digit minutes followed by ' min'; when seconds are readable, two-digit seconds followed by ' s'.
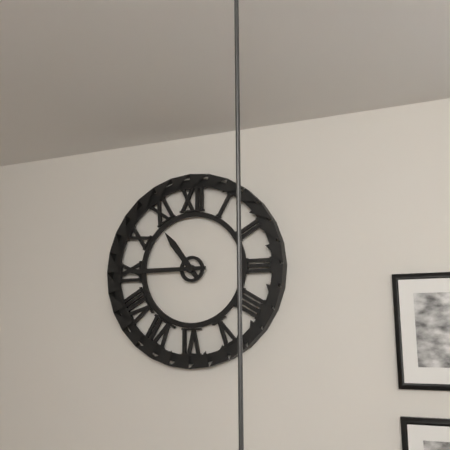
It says 10 h 45 min
